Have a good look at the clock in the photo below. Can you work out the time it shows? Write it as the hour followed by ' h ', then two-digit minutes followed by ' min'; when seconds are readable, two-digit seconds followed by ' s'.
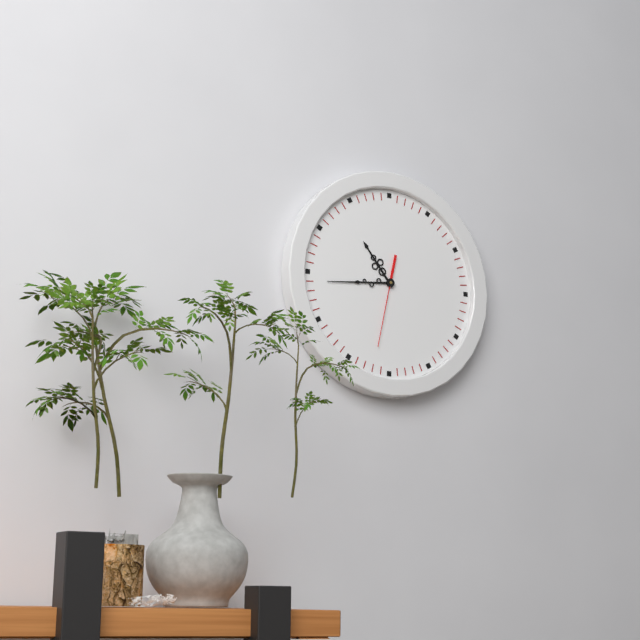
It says 10 h 44 min 32 s
